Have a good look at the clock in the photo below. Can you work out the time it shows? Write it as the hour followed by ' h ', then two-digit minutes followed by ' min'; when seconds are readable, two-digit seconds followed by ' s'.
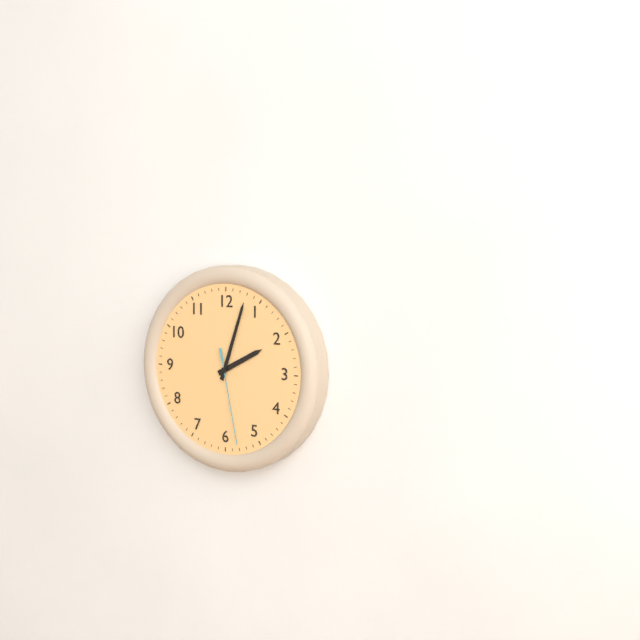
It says 2 h 03 min 28 s
